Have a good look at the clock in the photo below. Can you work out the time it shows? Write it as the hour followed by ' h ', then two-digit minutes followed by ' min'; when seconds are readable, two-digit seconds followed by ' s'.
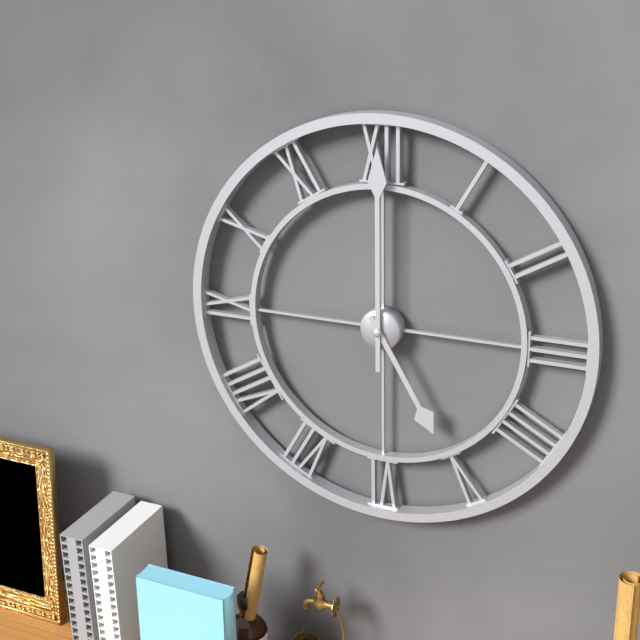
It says 5 h 00 min
